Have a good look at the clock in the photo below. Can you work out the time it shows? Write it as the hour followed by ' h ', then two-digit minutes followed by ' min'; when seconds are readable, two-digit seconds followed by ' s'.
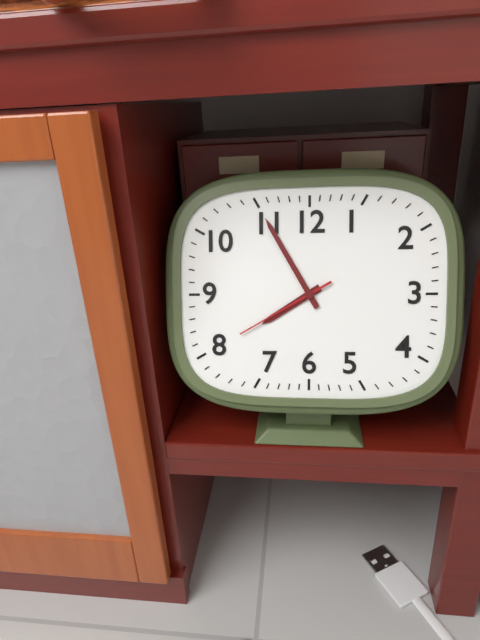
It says 7 h 55 min 40 s
